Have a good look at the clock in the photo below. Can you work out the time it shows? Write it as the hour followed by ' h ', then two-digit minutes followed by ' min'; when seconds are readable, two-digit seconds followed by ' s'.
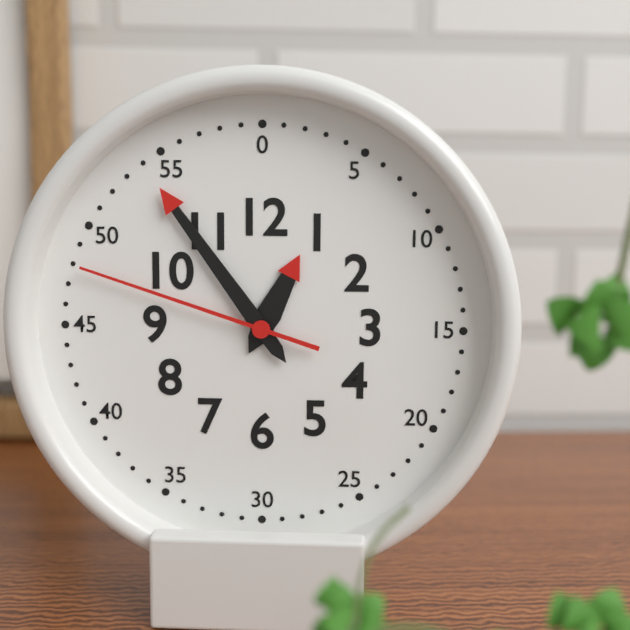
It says 12 h 54 min 48 s
